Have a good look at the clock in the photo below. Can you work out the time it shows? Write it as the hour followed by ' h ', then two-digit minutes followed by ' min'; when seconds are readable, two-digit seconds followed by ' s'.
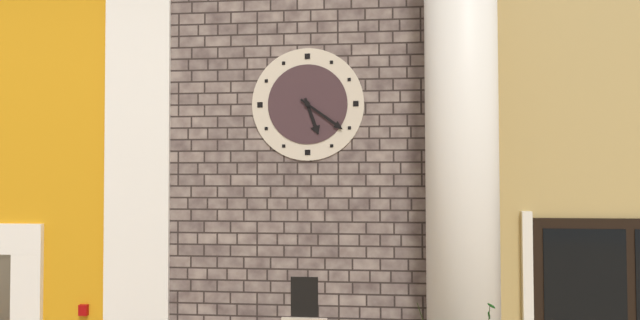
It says 5 h 21 min
